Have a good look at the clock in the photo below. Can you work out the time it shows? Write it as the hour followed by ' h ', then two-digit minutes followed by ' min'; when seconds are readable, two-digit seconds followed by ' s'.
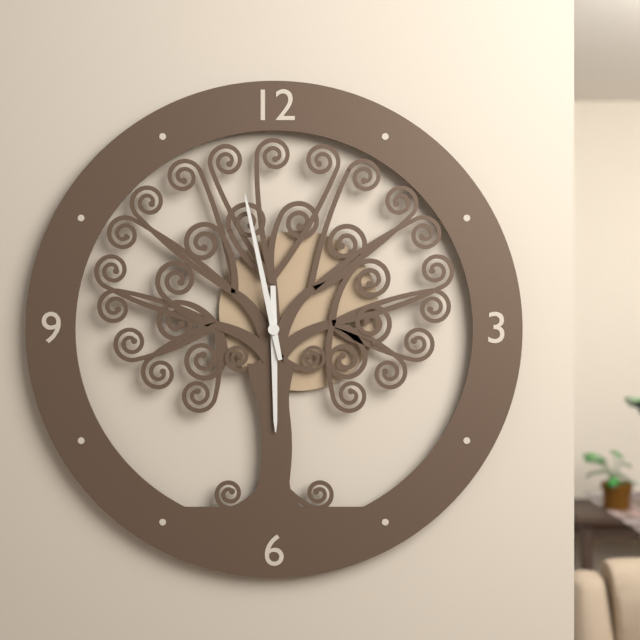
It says 5 h 58 min
